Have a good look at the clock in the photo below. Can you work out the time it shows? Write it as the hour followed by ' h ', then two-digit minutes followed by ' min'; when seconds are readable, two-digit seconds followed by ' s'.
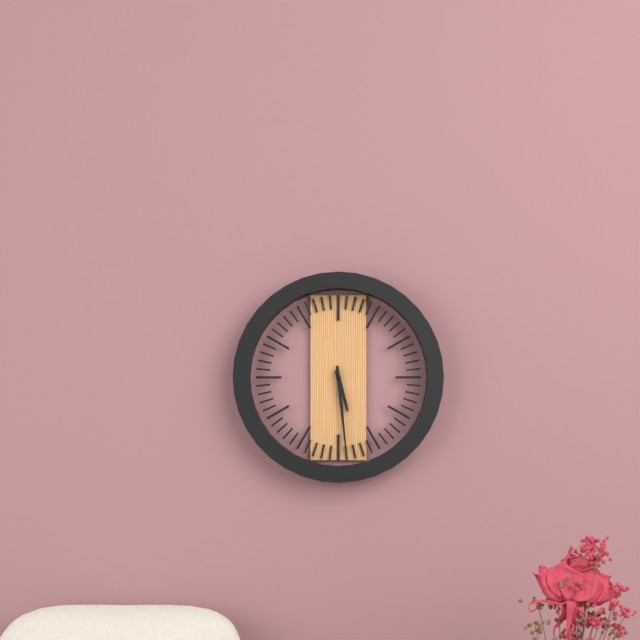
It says 5 h 29 min
